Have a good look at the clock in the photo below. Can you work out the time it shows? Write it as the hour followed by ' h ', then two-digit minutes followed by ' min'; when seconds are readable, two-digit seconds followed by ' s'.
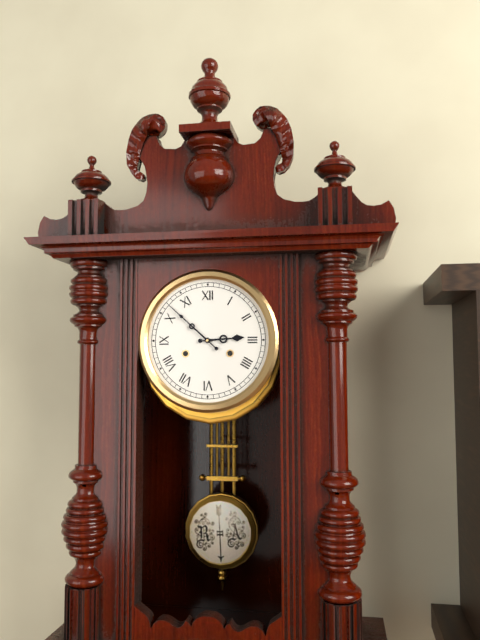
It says 2 h 52 min
